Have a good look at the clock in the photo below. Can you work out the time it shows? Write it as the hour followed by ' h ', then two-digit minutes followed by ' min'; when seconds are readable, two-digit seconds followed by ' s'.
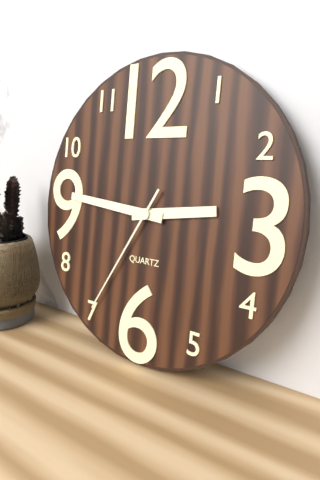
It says 2 h 46 min 35 s
